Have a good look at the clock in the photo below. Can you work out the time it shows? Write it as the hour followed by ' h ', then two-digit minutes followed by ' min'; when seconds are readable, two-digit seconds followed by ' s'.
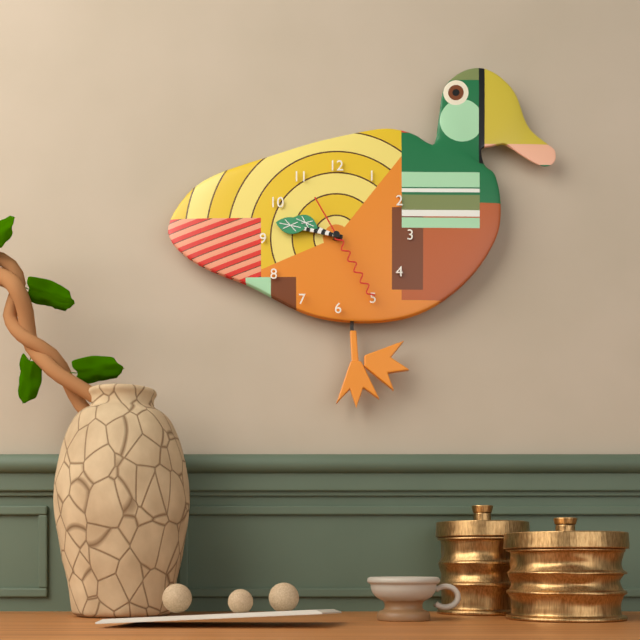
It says 9 h 47 min 25 s
